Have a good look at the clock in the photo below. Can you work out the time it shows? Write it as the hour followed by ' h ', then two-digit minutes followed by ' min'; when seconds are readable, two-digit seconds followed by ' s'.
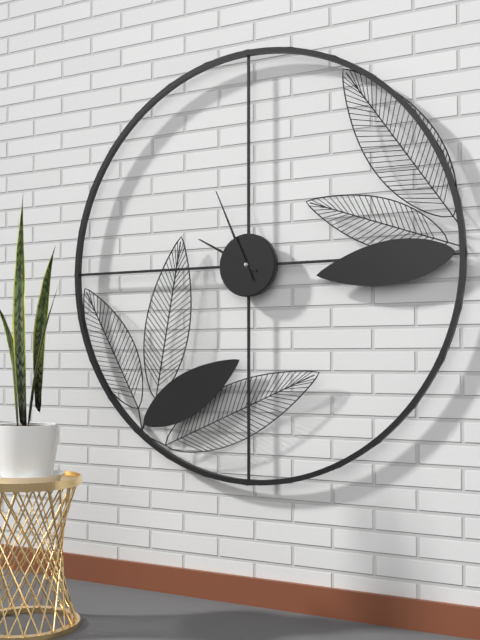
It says 9 h 56 min
